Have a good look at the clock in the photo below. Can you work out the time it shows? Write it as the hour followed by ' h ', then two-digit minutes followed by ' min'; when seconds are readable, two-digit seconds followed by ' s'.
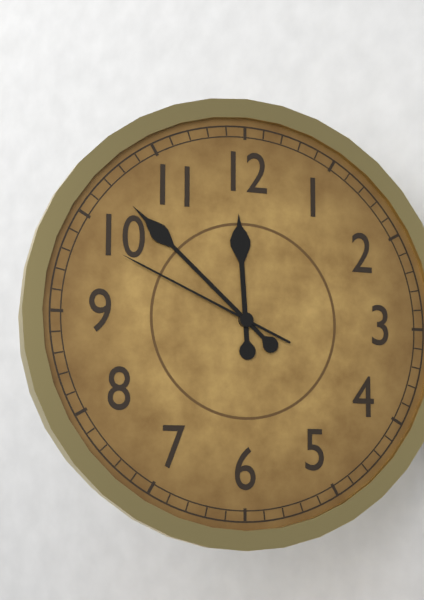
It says 11 h 52 min 49 s
